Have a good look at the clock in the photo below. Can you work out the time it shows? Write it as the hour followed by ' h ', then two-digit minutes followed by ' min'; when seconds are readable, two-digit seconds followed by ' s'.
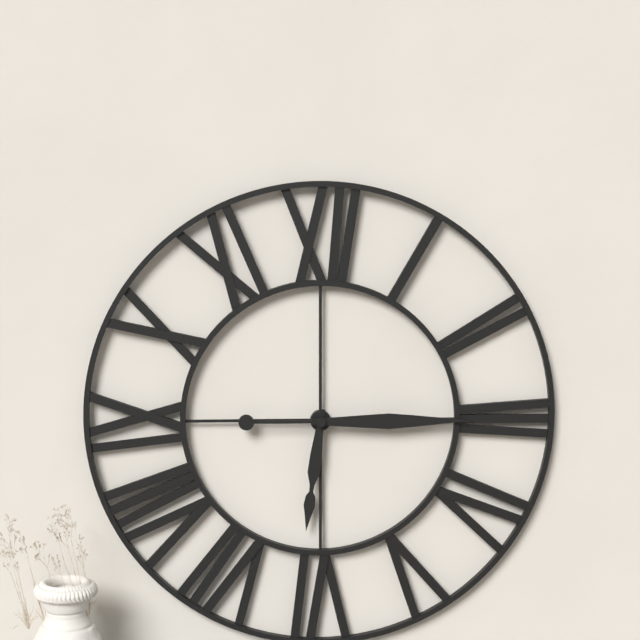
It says 6 h 15 min
